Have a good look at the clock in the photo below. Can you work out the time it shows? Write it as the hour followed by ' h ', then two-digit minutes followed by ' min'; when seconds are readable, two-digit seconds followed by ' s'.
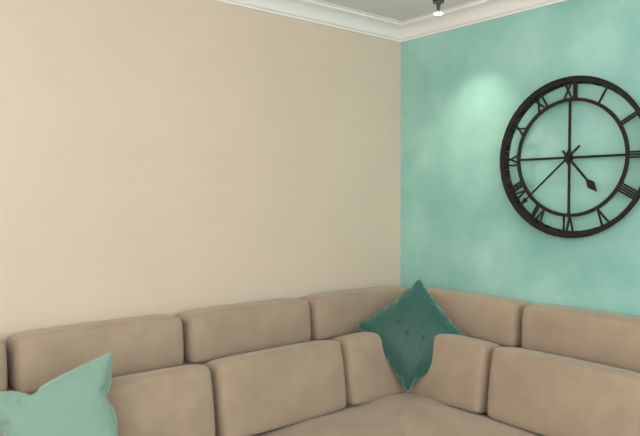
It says 4 h 38 min
